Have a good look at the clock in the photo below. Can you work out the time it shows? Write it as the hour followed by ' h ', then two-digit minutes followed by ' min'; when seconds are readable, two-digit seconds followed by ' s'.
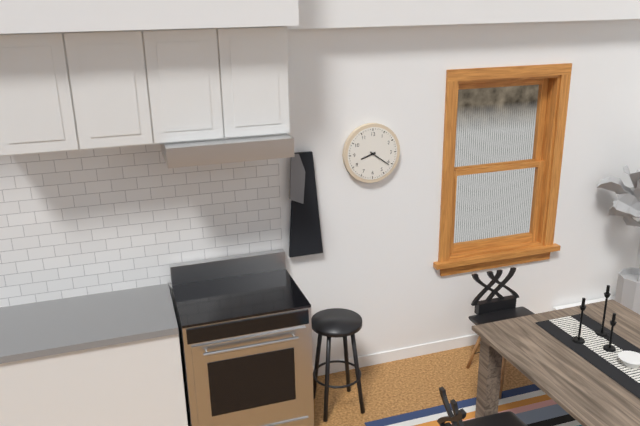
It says 8 h 21 min
